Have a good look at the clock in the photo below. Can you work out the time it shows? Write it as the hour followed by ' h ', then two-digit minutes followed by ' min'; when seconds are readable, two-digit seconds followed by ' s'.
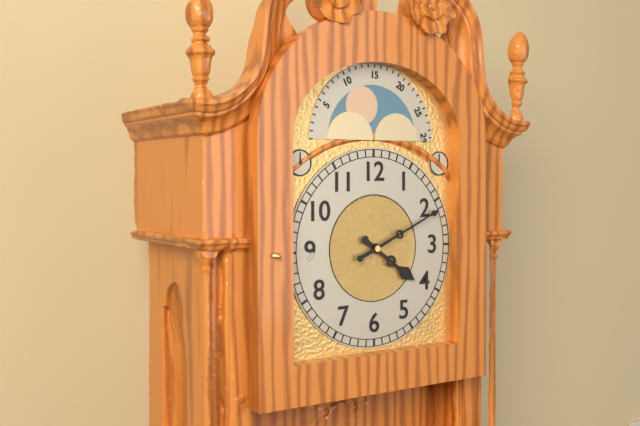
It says 4 h 11 min
